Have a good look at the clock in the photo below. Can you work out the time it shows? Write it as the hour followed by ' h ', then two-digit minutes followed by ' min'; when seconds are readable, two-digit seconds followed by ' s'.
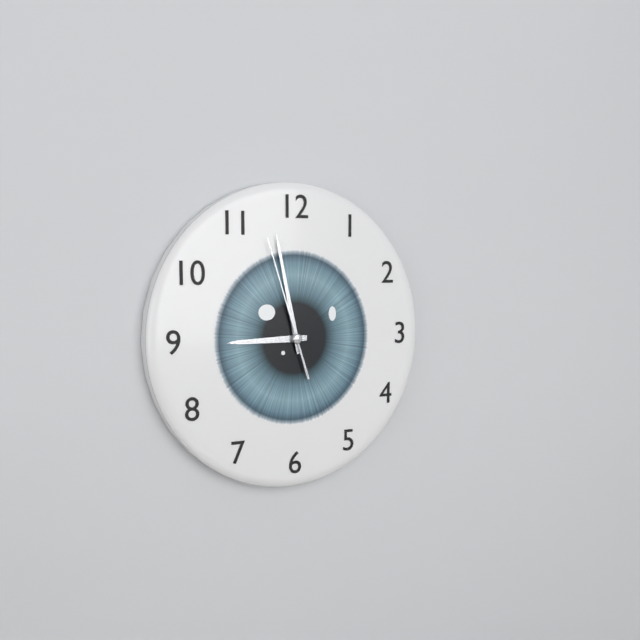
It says 8 h 58 min 57 s
